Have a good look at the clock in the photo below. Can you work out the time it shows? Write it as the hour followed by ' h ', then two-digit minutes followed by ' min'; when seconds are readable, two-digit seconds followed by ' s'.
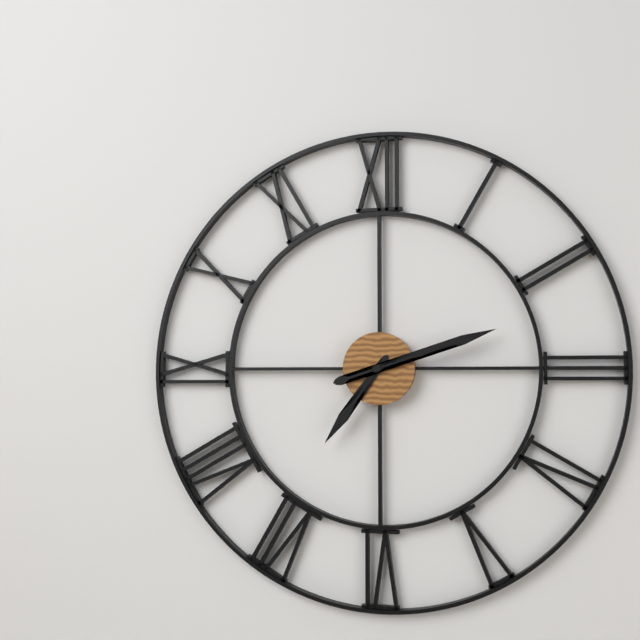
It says 7 h 12 min
